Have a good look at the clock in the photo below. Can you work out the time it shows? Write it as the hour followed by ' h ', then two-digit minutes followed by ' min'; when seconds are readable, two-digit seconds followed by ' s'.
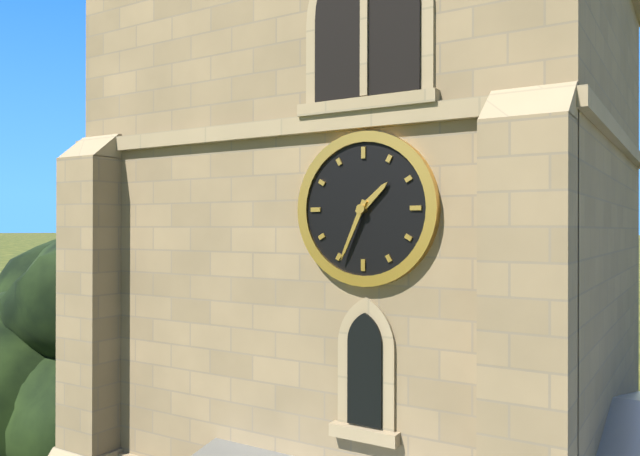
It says 1 h 34 min
